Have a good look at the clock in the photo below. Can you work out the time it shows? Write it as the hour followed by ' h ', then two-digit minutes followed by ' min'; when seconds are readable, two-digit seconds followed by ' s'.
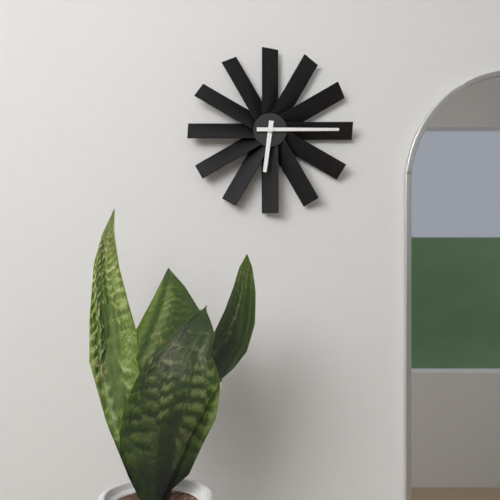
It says 6 h 15 min
